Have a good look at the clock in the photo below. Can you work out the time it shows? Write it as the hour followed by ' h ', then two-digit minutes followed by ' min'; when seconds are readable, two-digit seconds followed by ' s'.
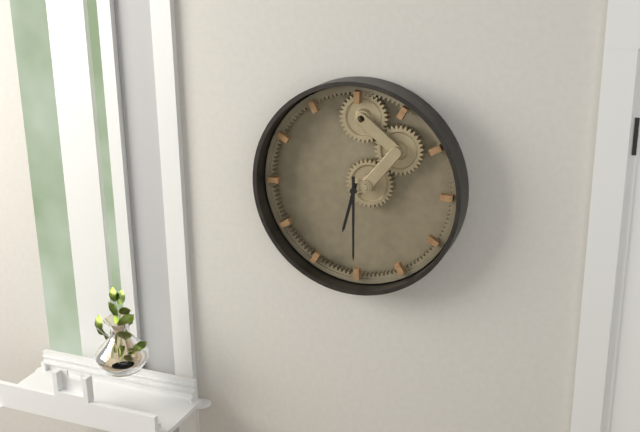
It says 6 h 30 min
